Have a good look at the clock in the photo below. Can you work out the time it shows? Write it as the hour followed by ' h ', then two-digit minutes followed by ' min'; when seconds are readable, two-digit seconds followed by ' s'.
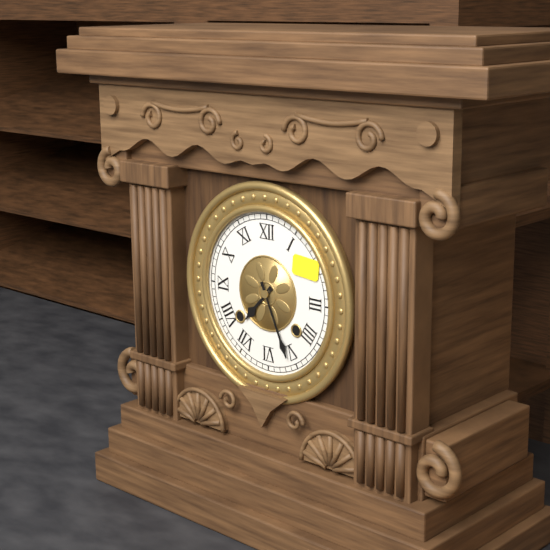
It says 7 h 26 min
